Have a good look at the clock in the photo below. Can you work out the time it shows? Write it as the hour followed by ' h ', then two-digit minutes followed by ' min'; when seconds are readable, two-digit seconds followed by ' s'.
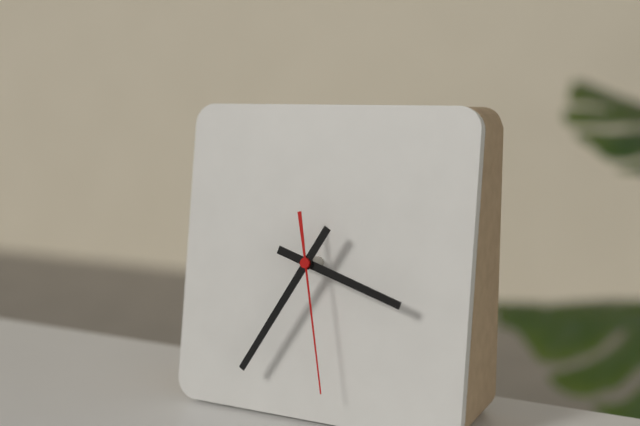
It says 3 h 35 min 28 s
